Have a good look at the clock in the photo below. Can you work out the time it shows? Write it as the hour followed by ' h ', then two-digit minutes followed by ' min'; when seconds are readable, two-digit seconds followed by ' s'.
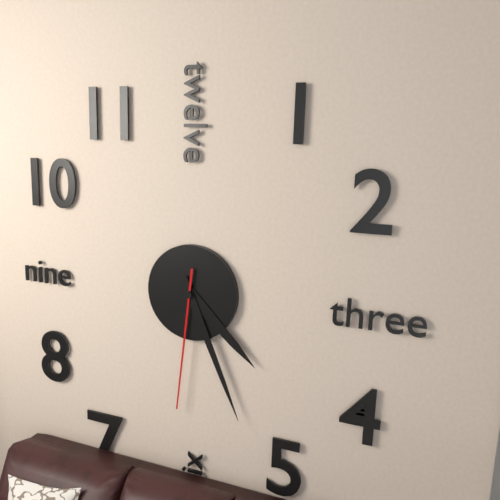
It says 4 h 26 min 31 s
